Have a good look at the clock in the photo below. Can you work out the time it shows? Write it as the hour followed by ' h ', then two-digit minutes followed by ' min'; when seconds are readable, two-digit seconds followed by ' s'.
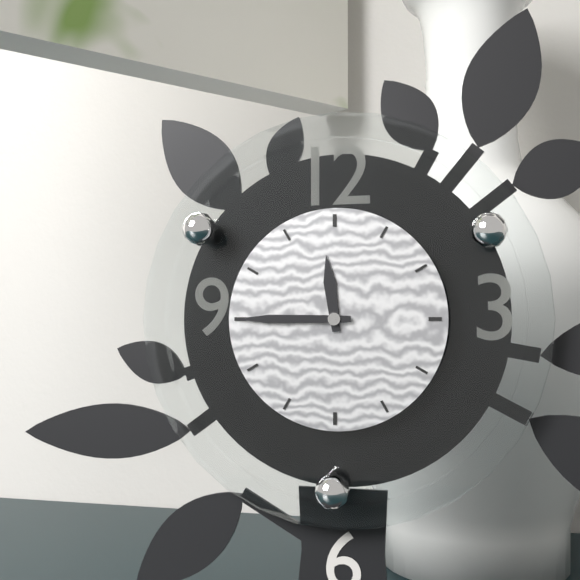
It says 11 h 45 min
